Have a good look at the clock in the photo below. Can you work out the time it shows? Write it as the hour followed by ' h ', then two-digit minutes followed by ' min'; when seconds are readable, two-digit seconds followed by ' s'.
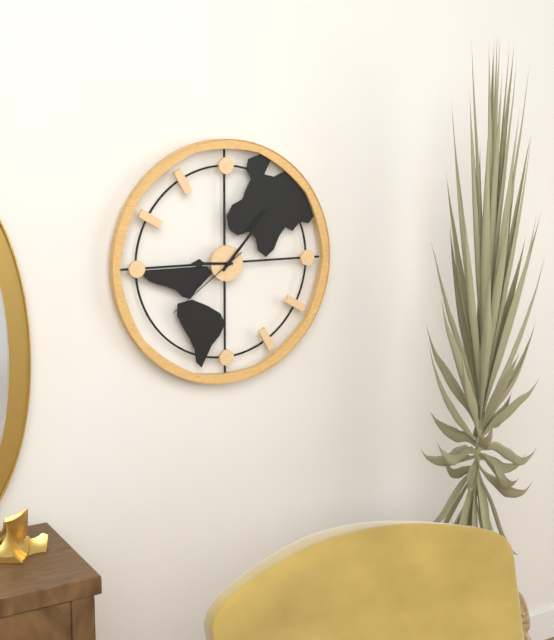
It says 9 h 07 min 39 s
